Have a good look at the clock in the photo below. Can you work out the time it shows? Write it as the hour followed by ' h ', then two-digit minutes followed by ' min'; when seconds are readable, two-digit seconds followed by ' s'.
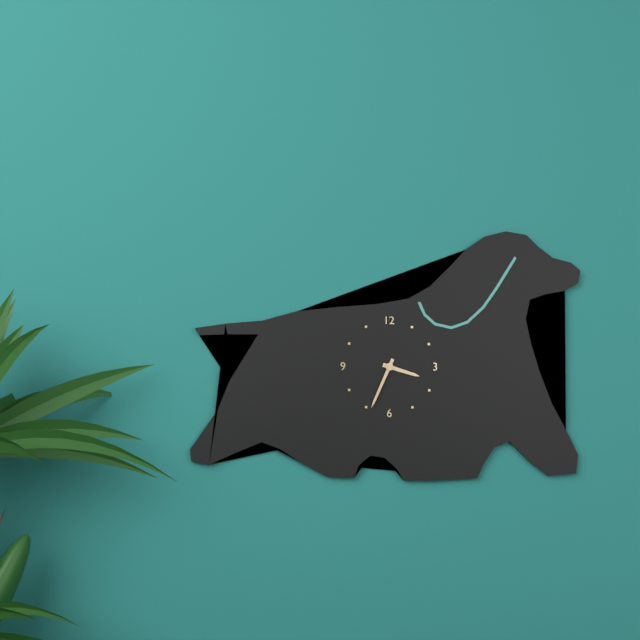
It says 3 h 34 min
